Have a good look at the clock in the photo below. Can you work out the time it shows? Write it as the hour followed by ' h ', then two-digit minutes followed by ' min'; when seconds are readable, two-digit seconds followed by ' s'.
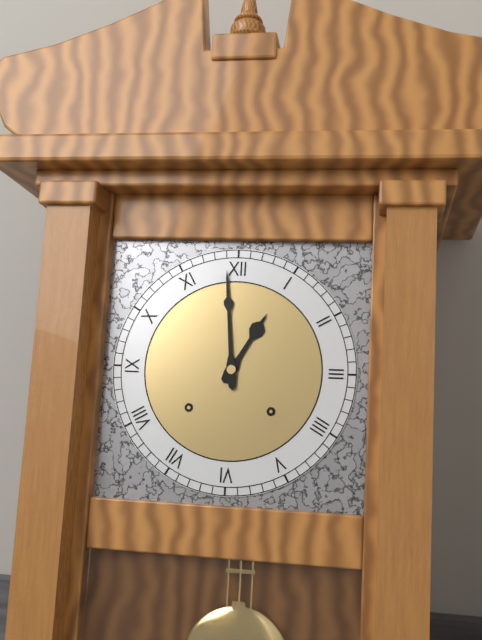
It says 12 h 59 min
